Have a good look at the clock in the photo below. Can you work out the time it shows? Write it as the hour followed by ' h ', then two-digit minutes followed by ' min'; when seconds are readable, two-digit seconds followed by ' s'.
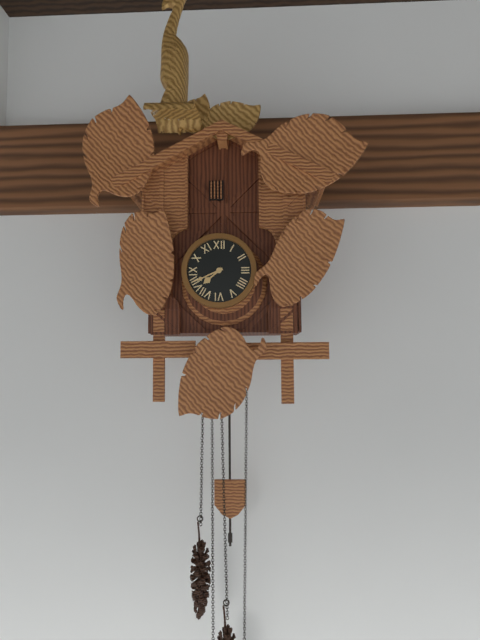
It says 7 h 41 min
